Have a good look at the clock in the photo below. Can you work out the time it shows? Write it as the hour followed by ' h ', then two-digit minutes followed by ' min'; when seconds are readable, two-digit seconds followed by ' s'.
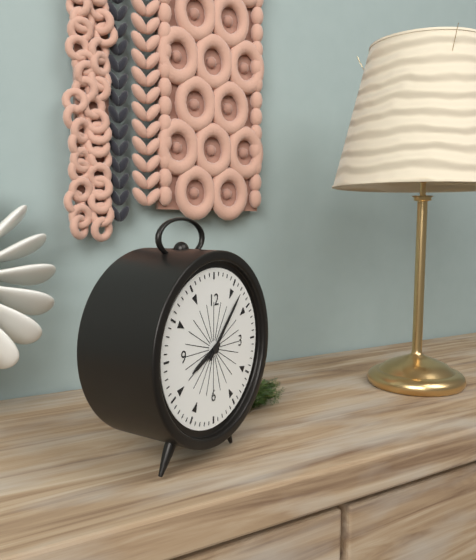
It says 8 h 07 min
